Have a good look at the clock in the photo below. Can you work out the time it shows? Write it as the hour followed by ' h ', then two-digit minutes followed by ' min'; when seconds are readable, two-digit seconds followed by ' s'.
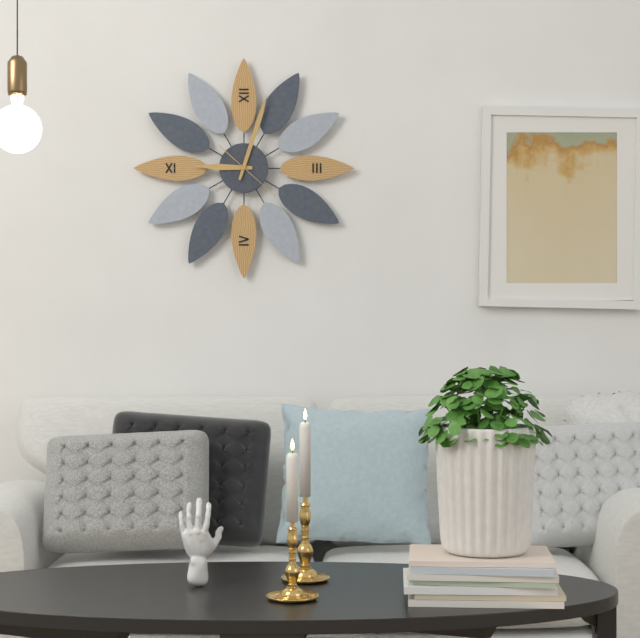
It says 9 h 03 min 22 s
